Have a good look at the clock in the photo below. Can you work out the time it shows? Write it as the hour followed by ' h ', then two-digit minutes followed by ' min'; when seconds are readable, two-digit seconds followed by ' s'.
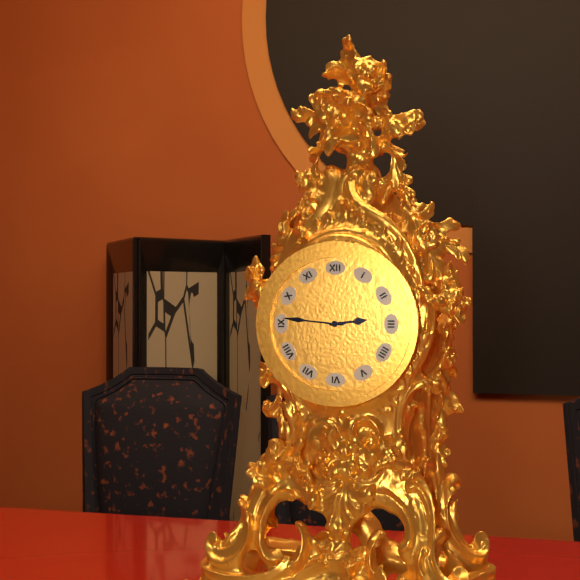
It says 2 h 46 min
